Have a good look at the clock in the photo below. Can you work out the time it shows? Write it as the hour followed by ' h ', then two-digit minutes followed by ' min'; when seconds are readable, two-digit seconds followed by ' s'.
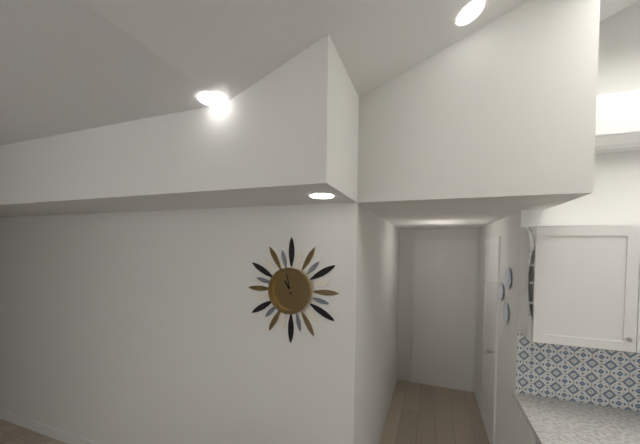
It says 10 h 58 min
